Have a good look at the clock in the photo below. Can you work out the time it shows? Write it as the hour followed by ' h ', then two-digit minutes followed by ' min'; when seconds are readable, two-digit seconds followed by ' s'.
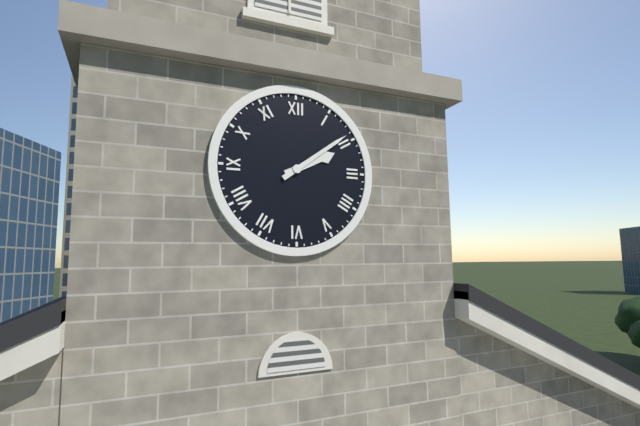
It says 2 h 09 min
